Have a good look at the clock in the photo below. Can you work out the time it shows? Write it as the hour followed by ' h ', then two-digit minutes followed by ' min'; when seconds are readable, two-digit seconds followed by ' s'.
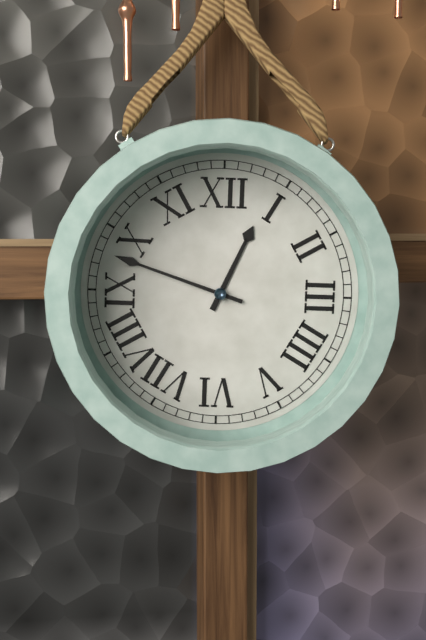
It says 12 h 48 min
